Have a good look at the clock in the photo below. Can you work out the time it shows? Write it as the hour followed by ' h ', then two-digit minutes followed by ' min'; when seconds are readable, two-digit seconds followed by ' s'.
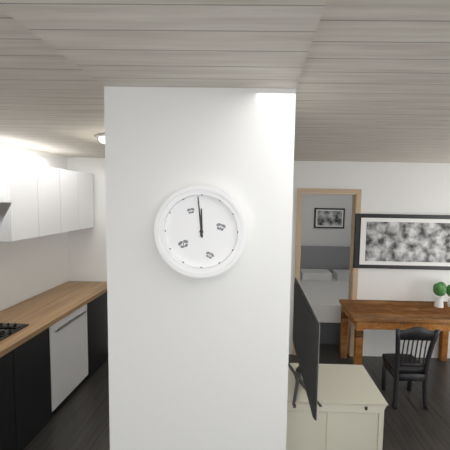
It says 11 h 59 min
